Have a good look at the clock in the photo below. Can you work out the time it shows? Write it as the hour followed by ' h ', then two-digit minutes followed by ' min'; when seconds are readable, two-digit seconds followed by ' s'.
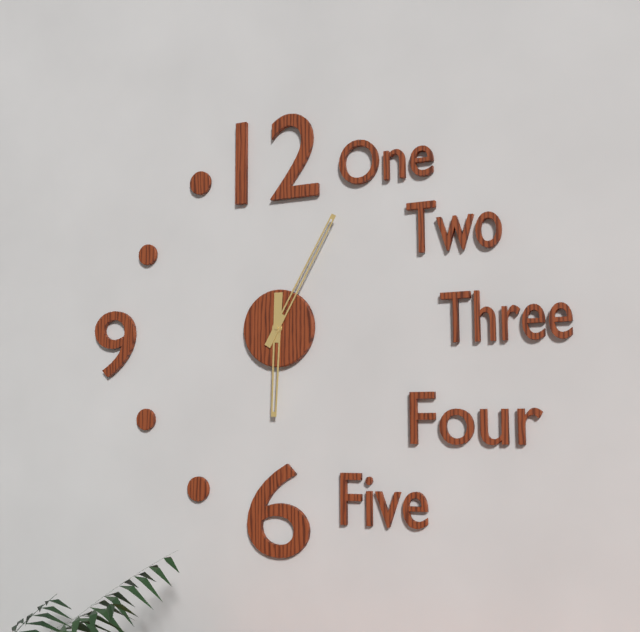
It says 6 h 05 min
